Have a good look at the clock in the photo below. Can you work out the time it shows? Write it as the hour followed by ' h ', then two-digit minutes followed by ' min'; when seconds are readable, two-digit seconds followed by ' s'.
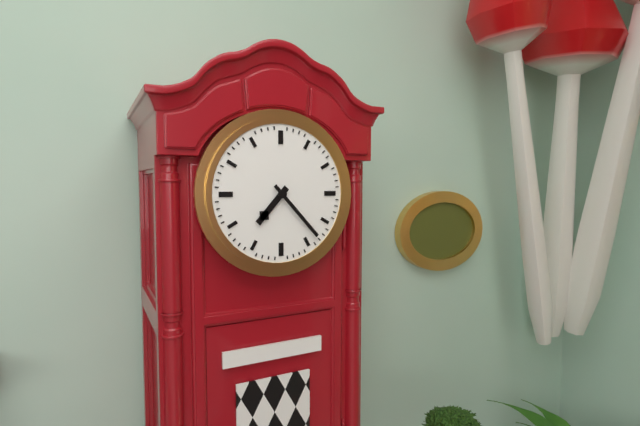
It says 7 h 23 min
